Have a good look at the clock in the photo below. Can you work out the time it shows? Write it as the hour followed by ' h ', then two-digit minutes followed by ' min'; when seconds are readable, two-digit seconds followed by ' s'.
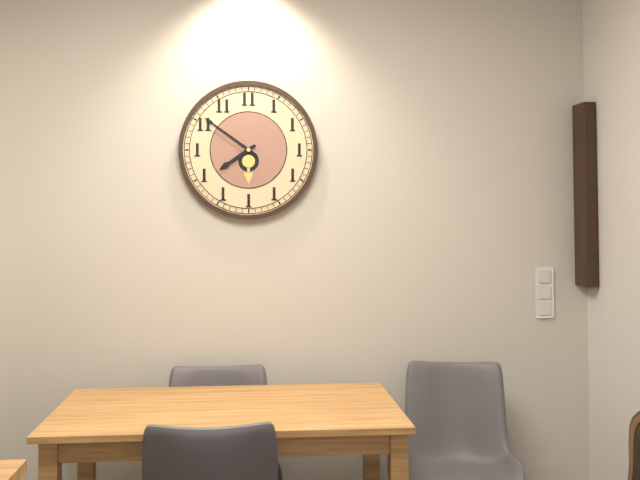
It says 7 h 51 min
